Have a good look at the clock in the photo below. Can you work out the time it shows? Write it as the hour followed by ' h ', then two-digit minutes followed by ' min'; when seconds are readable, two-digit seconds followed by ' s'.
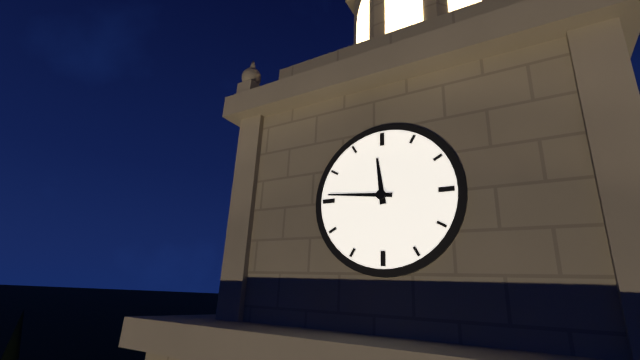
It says 11 h 46 min
